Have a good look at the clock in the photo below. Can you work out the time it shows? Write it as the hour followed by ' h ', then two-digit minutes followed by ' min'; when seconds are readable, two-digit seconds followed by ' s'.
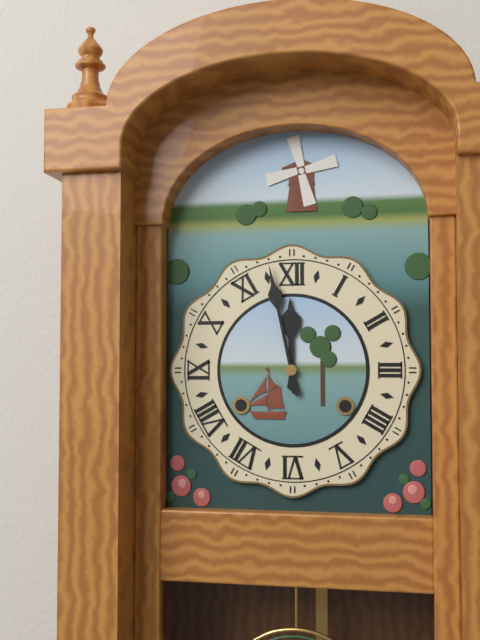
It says 11 h 58 min
